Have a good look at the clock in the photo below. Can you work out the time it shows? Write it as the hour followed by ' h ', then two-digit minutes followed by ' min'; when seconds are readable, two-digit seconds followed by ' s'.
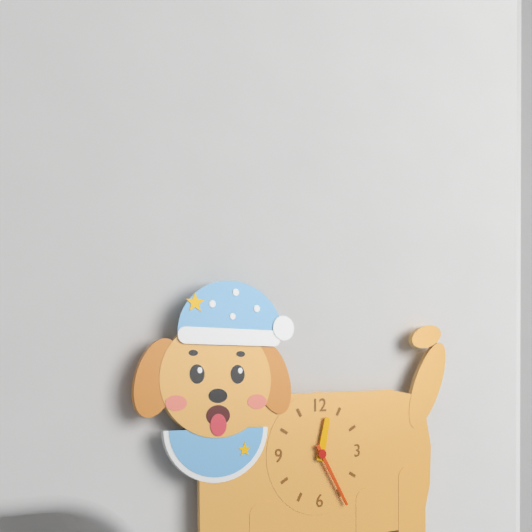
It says 12 h 25 min
